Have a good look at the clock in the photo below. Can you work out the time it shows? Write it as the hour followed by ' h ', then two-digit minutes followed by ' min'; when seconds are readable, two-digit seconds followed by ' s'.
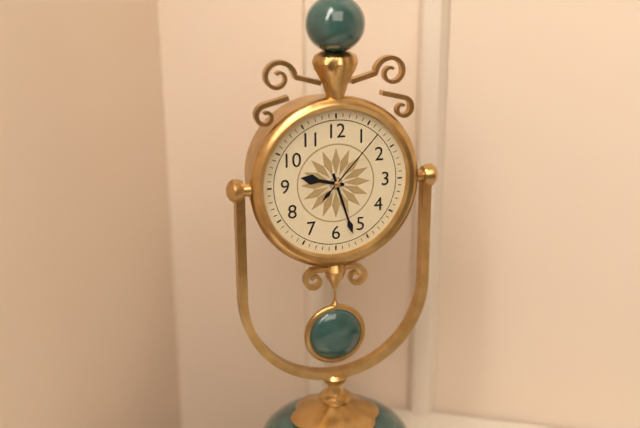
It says 9 h 27 min 07 s
